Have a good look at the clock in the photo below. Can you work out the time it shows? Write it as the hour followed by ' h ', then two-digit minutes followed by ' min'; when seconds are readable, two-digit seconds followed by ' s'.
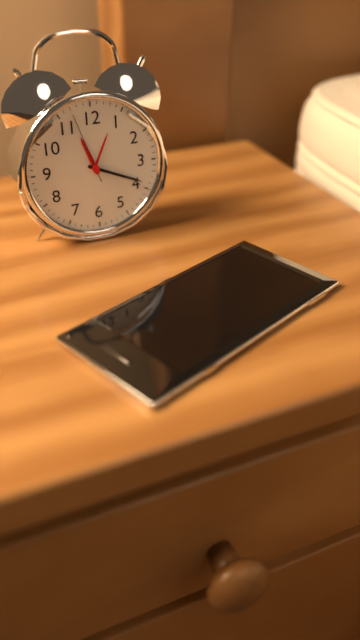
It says 11 h 19 min 57 s
